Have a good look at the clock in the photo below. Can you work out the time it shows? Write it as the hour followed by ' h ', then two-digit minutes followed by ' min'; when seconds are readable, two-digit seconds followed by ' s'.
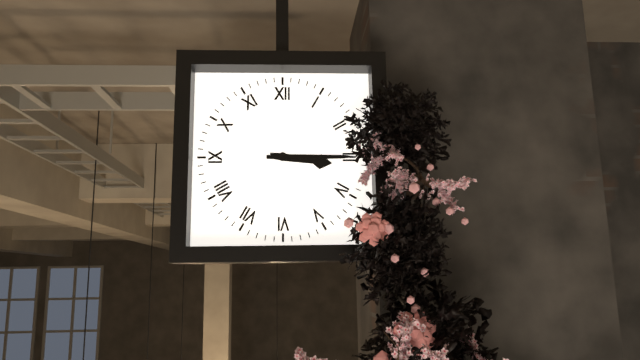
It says 3 h 15 min
